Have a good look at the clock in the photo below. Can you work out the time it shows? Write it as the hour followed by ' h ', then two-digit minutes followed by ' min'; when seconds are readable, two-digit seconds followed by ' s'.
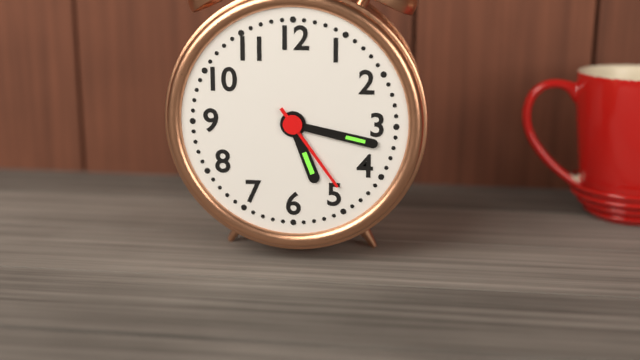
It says 5 h 17 min 24 s
